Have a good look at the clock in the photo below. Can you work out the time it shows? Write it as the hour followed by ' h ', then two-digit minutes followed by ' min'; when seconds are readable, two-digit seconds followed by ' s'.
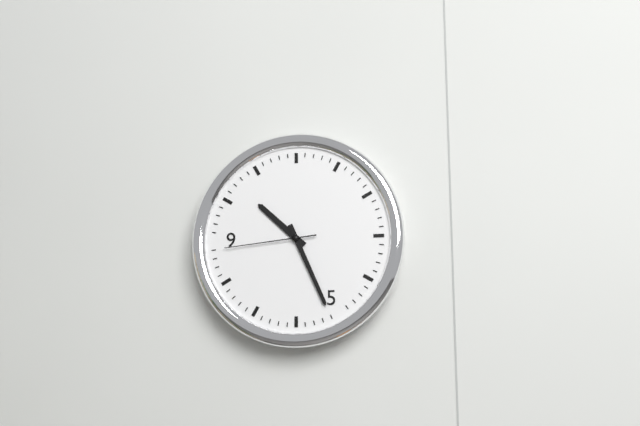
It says 10 h 26 min 44 s
